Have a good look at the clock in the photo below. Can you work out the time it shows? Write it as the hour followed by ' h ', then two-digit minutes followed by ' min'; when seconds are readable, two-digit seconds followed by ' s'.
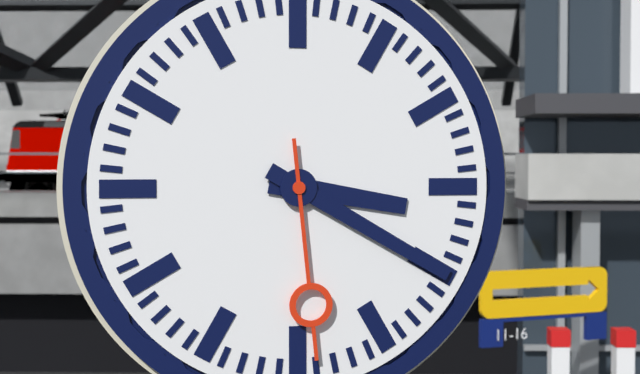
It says 3 h 20 min 29 s
